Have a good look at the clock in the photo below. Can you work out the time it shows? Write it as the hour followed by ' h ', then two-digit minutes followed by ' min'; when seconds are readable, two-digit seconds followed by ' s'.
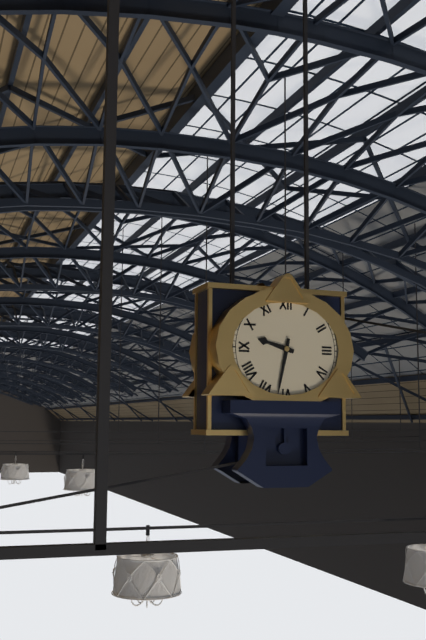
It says 9 h 32 min
